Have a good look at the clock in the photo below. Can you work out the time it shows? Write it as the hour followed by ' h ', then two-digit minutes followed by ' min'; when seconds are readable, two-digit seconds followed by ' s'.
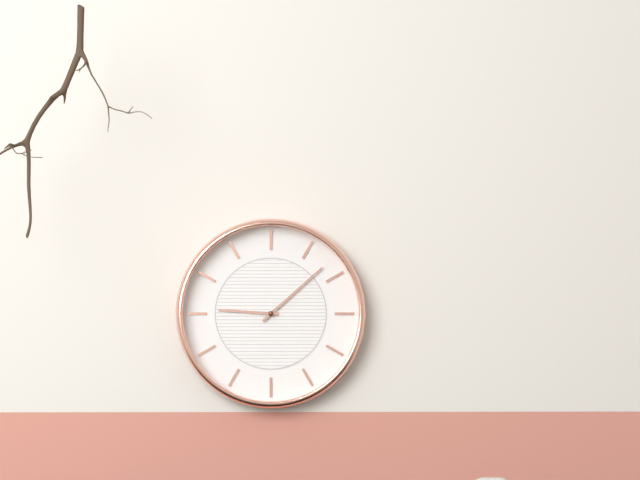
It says 9 h 08 min
